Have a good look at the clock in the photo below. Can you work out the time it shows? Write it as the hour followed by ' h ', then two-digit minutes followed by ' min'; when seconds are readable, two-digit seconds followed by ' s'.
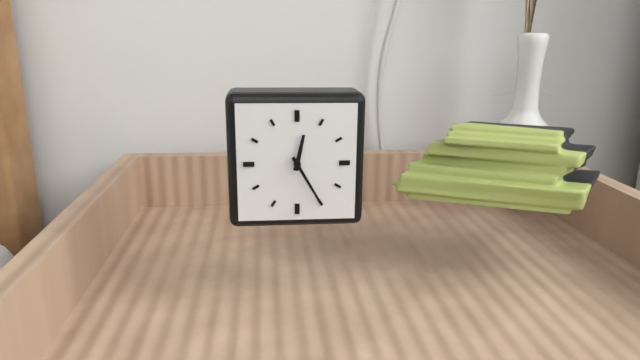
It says 12 h 25 min
